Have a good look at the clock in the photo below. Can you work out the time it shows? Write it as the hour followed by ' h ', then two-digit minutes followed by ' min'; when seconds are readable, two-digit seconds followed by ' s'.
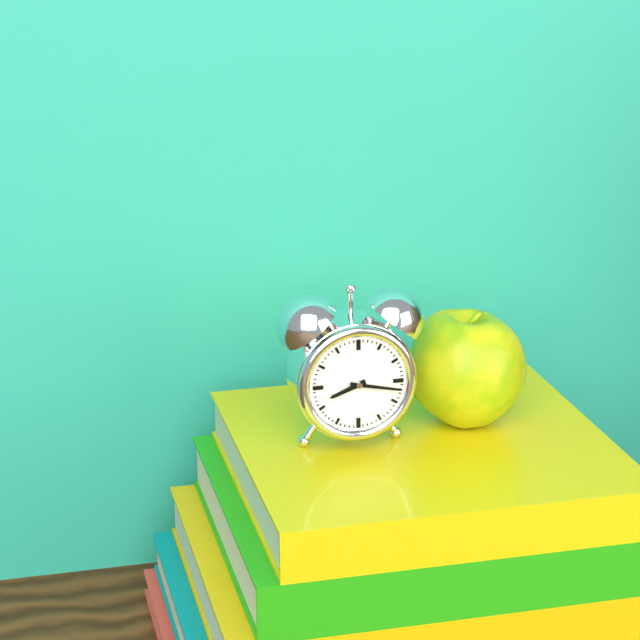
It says 8 h 17 min
